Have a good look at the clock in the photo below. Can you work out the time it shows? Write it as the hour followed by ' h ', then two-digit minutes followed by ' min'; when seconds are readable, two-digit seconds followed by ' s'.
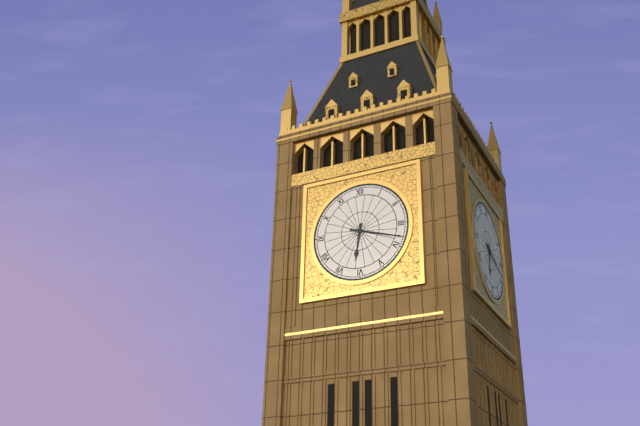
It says 6 h 18 min
